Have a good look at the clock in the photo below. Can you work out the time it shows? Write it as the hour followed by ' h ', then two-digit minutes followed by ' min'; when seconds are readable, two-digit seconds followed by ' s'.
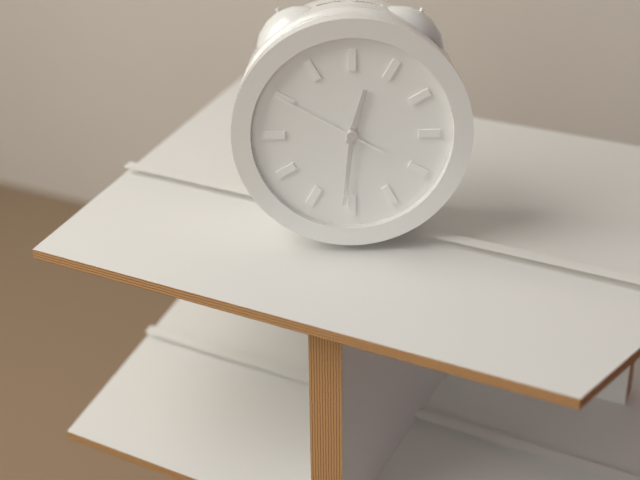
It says 12 h 31 min 50 s
